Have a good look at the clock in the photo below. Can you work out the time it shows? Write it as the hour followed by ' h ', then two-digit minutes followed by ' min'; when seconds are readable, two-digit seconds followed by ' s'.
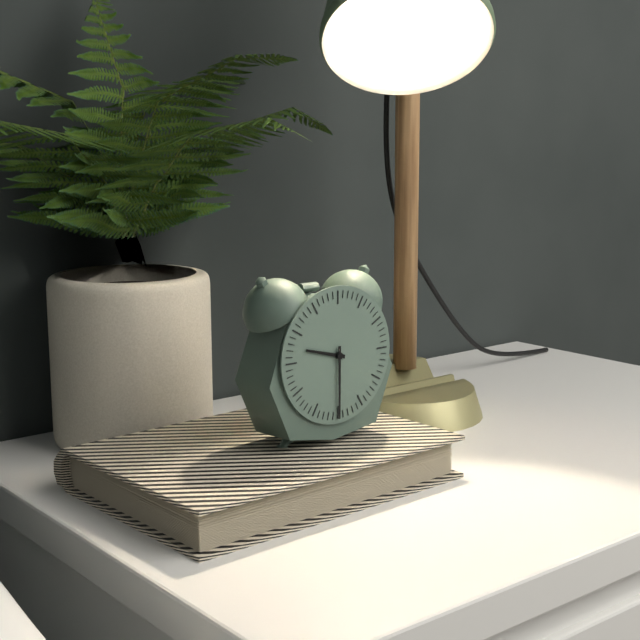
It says 9 h 30 min
